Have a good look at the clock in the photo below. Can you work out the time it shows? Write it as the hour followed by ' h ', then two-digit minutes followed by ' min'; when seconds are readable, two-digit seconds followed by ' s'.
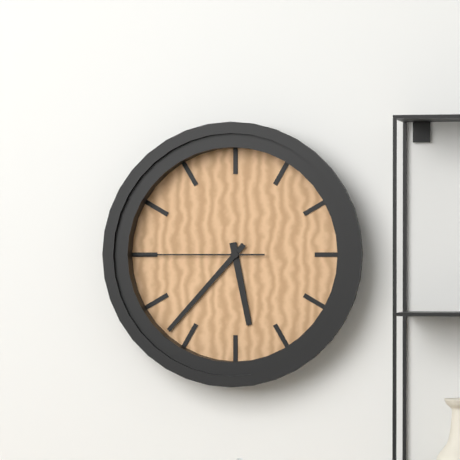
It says 5 h 37 min 45 s
